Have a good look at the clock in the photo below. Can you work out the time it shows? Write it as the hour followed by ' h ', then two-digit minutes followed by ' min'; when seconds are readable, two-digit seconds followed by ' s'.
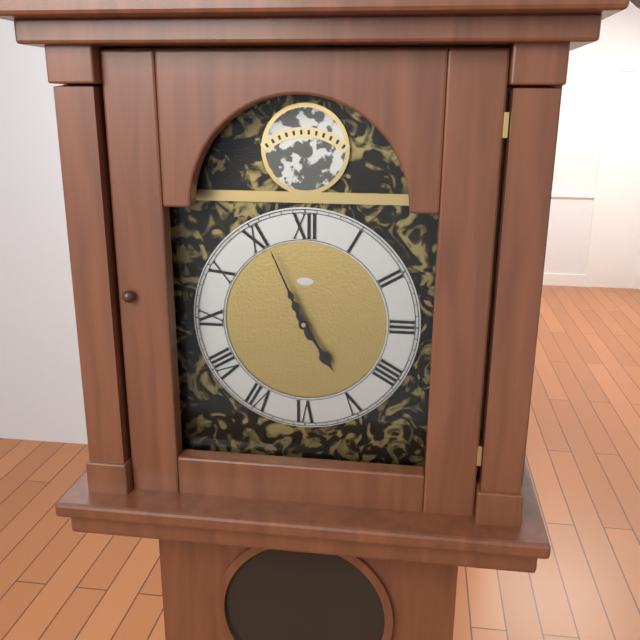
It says 4 h 56 min
